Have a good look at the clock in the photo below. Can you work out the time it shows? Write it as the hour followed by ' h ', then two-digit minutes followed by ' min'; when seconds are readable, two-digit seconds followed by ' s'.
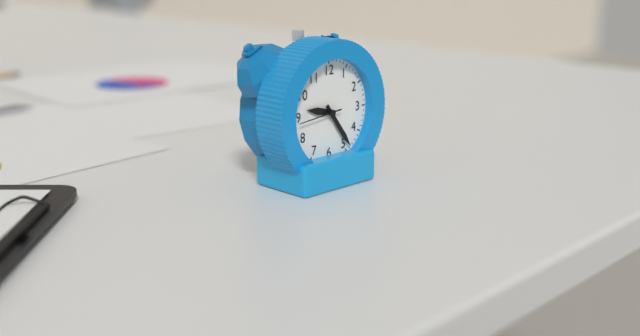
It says 9 h 24 min
